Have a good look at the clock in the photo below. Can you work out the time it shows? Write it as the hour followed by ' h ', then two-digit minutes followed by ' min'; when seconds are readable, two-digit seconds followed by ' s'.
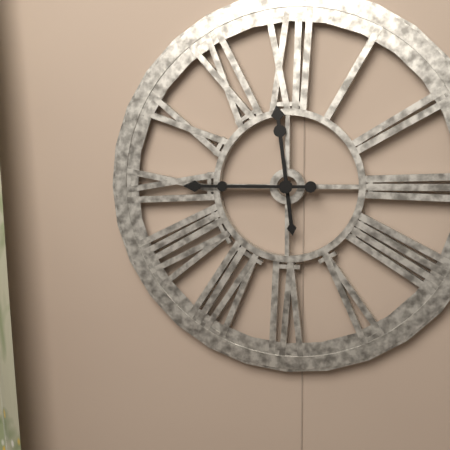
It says 11 h 45 min
